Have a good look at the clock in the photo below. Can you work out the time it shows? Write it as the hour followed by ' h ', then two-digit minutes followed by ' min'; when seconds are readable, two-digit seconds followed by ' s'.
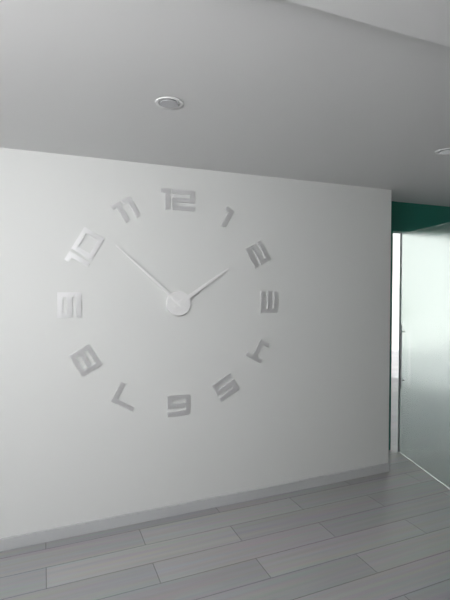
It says 1 h 52 min
